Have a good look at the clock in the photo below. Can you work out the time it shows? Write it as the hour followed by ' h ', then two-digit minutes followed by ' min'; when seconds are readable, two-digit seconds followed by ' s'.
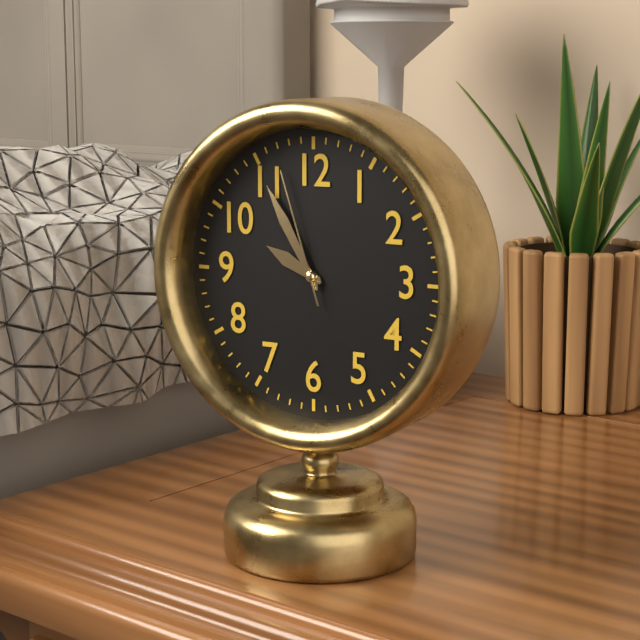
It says 9 h 55 min 57 s
